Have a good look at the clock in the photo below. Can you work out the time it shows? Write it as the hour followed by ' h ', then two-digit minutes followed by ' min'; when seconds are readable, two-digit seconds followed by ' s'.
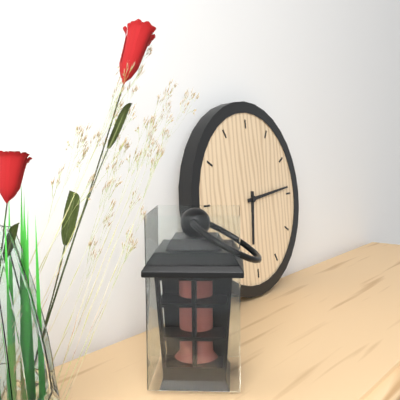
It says 6 h 14 min
